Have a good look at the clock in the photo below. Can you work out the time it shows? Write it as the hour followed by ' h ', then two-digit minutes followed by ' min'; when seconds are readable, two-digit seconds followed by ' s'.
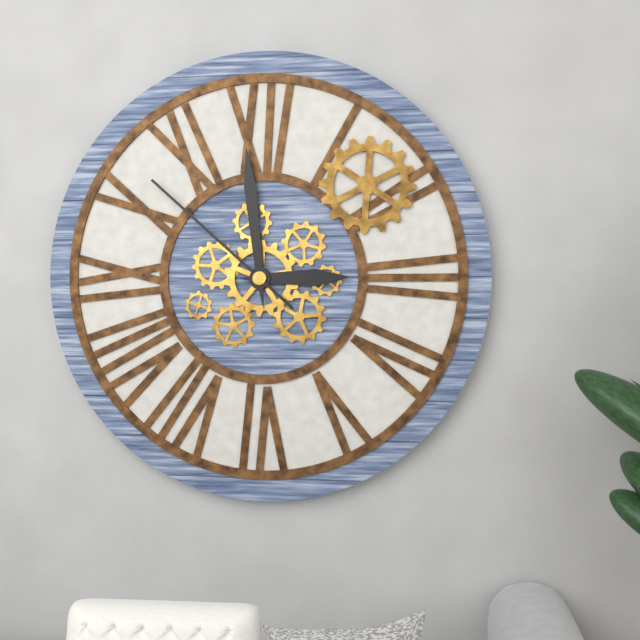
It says 2 h 59 min 52 s
